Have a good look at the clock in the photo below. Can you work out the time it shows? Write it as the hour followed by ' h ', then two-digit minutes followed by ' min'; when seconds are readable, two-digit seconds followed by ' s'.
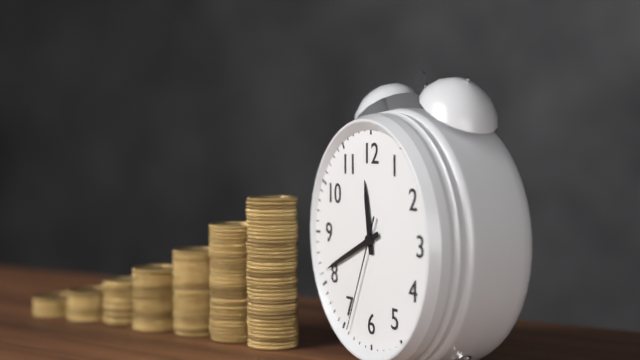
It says 11 h 41 min 34 s
